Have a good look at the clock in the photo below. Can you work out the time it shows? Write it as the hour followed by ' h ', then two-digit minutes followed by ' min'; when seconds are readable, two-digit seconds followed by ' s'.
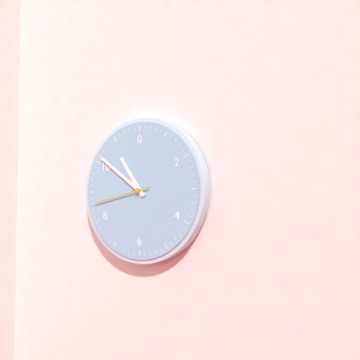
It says 10 h 51 min 43 s
